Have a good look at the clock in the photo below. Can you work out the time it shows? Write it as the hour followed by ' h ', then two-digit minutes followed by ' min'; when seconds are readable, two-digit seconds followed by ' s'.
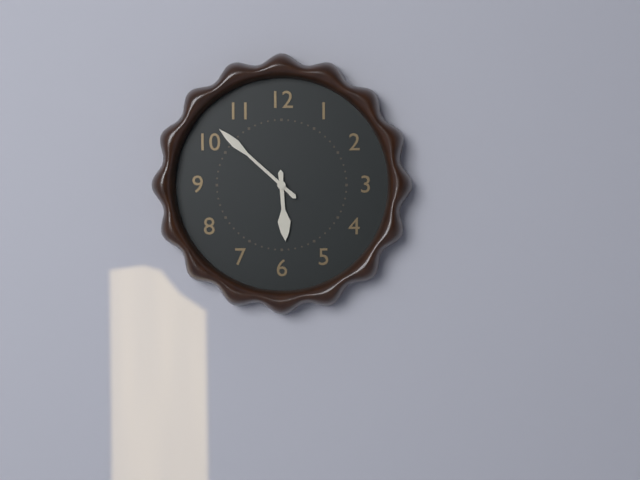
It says 5 h 52 min
